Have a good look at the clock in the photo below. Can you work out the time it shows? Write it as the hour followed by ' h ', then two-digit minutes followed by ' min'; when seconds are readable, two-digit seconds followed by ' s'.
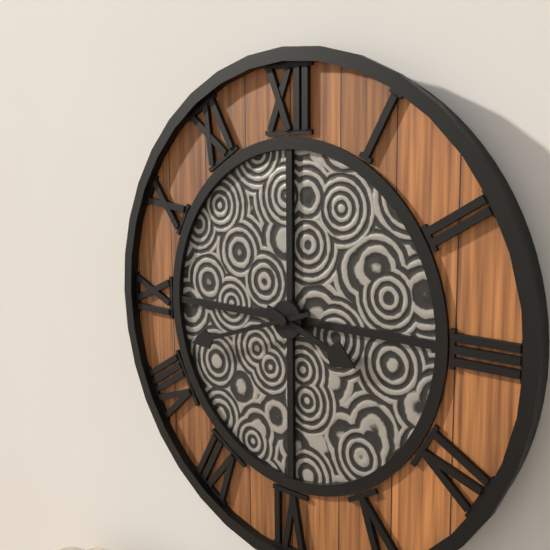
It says 3 h 42 min
